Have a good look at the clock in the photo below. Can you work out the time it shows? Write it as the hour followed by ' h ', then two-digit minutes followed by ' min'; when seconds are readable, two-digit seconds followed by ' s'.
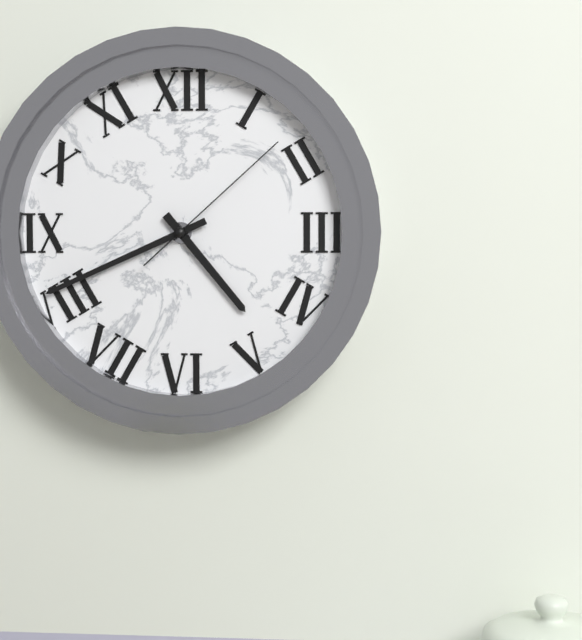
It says 4 h 41 min 08 s
